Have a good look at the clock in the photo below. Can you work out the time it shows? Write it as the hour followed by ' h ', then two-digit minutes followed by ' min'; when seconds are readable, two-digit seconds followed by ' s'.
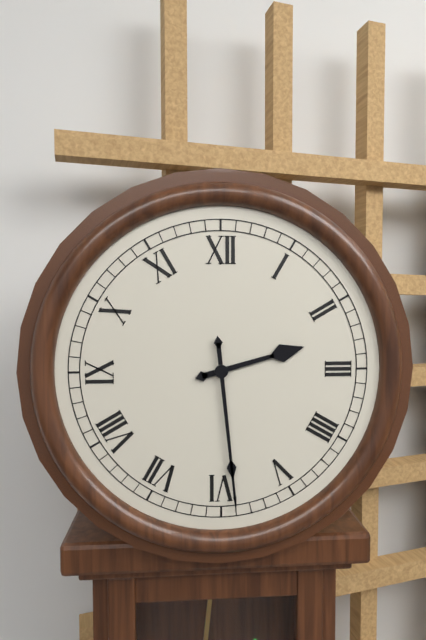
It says 2 h 29 min
